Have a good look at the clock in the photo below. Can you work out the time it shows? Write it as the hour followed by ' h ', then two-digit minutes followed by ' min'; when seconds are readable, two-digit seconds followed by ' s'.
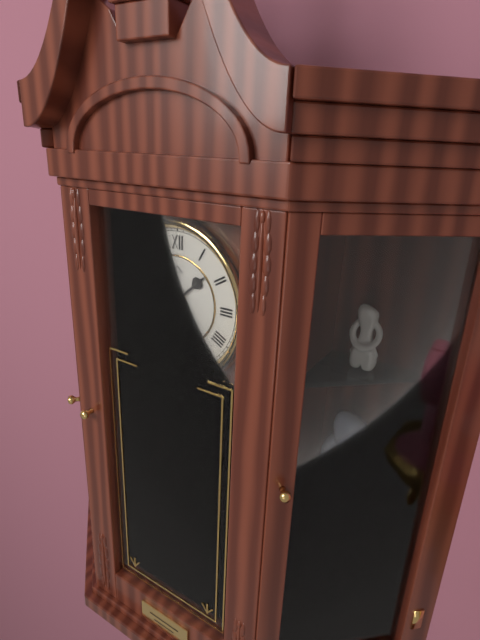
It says 1 h 36 min
